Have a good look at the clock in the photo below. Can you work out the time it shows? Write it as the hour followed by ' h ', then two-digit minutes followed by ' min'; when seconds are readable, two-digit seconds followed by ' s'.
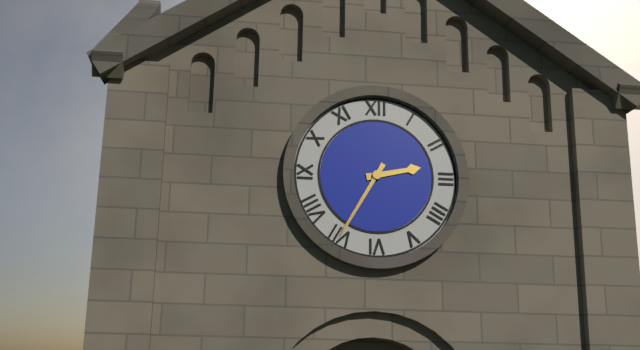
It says 2 h 35 min
